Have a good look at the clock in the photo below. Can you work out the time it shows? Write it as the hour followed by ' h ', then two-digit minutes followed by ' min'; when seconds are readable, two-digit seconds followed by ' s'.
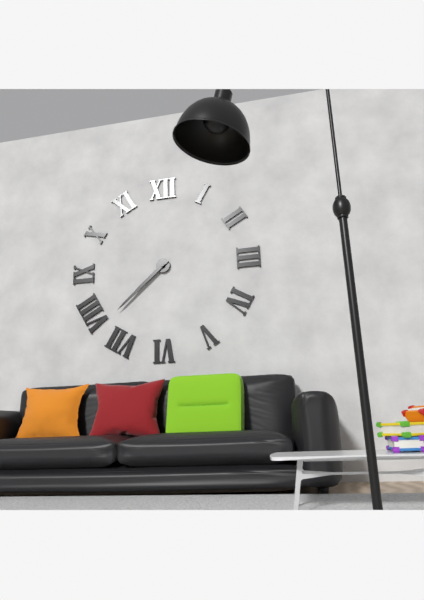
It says 7 h 38 min
